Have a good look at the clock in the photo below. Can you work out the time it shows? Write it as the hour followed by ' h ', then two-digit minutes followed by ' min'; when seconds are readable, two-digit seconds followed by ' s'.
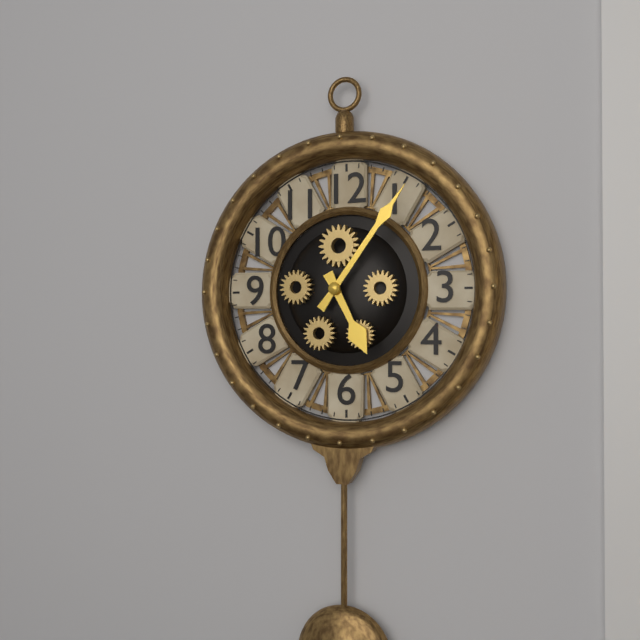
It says 5 h 06 min
